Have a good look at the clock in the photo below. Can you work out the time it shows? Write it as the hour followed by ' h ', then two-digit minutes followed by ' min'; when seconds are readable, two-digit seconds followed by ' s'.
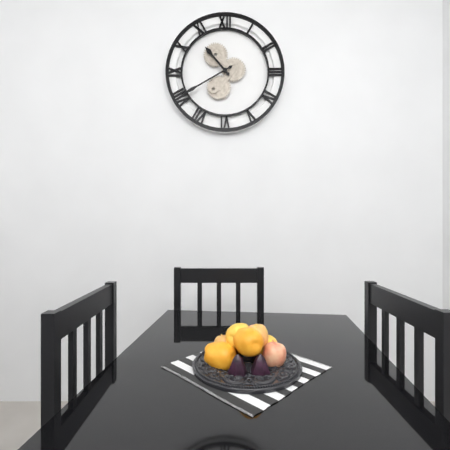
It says 10 h 40 min
